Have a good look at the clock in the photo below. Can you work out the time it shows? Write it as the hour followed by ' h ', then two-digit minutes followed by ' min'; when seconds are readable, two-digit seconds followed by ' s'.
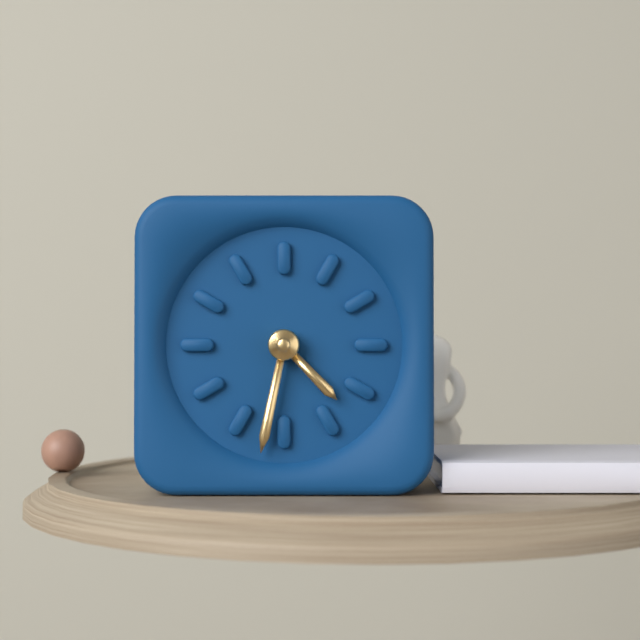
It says 4 h 32 min
